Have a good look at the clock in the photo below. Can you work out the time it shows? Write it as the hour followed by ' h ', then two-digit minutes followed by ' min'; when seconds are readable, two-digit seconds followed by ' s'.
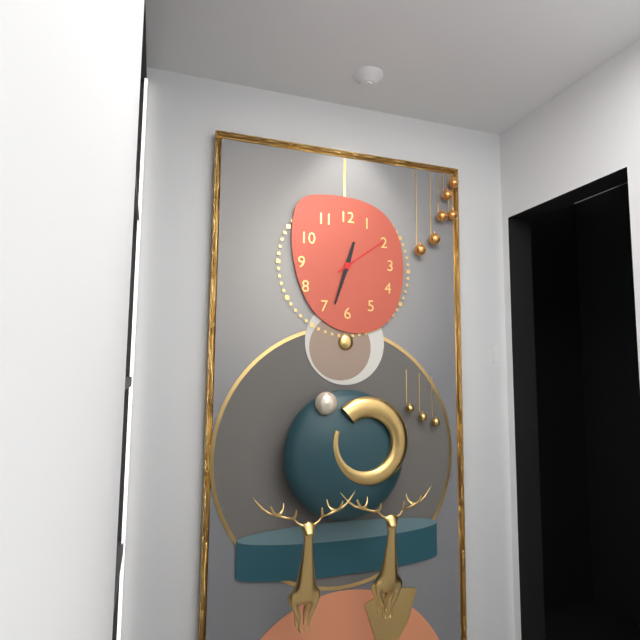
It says 12 h 33 min 09 s
